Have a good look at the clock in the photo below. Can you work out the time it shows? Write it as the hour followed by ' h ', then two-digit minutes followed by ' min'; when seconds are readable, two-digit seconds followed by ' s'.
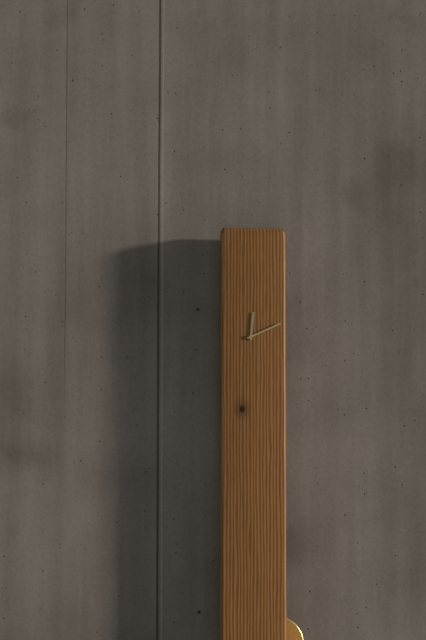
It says 12 h 11 min
